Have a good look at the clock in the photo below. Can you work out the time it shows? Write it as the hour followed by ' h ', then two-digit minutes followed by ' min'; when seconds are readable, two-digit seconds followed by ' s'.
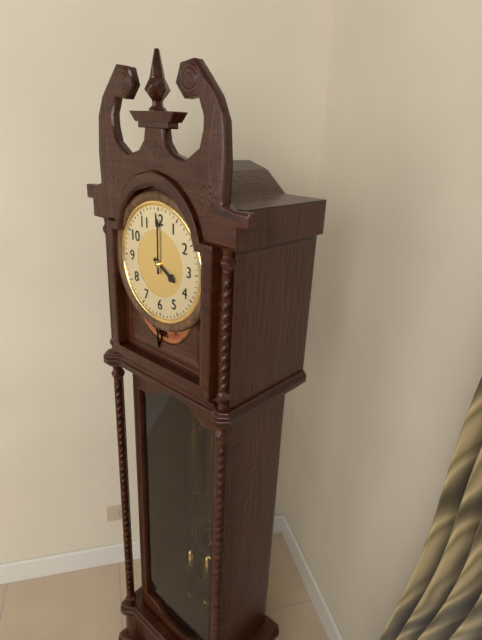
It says 4 h 00 min
